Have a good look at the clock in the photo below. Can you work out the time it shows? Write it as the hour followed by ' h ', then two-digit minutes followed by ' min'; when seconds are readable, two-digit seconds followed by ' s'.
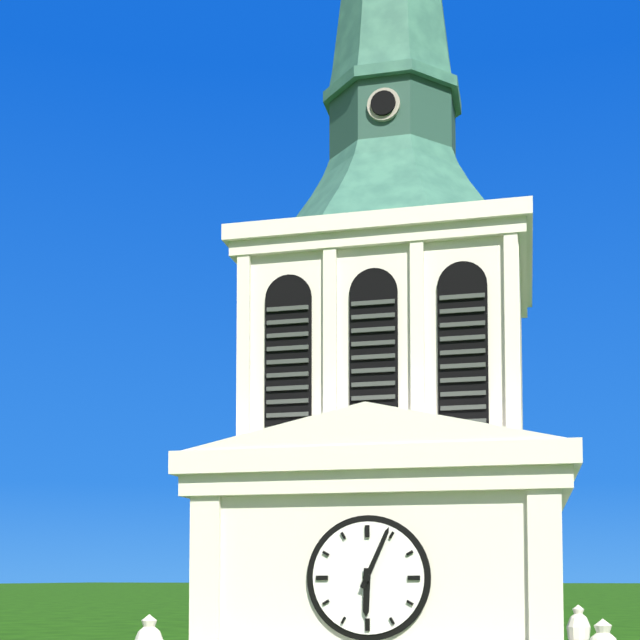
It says 6 h 04 min
